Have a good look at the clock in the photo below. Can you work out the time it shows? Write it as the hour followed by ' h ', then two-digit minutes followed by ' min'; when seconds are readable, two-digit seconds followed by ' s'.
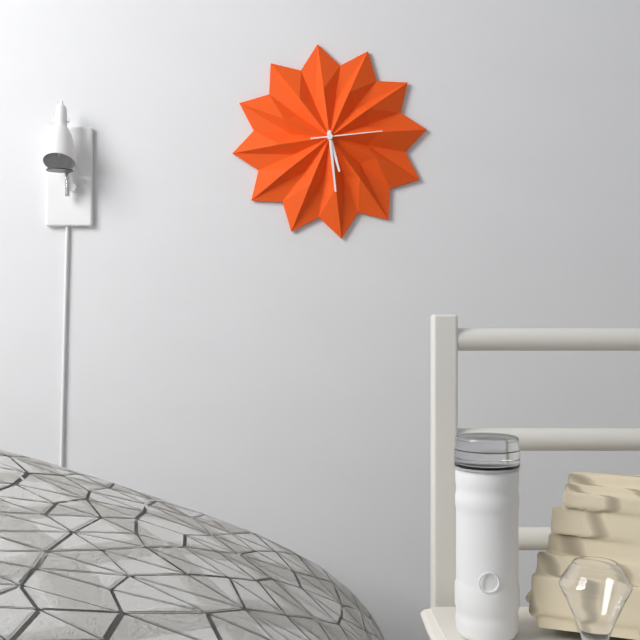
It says 5 h 29 min 14 s
